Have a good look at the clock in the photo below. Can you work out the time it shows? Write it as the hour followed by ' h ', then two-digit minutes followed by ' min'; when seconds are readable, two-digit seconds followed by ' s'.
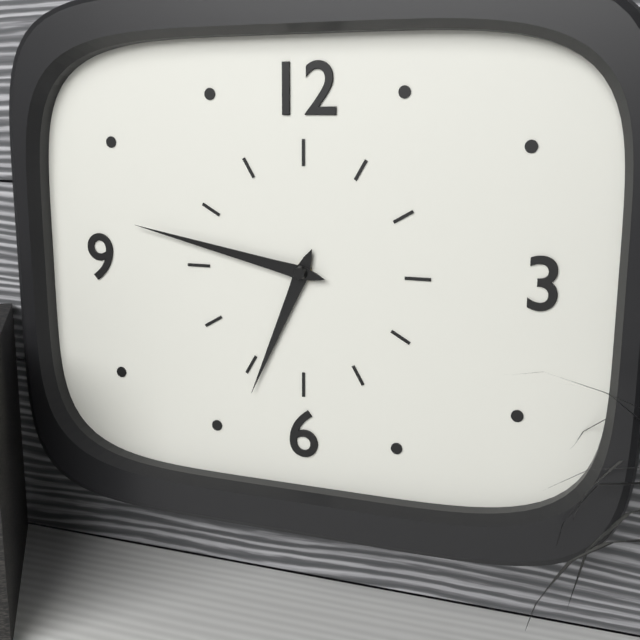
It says 6 h 47 min
